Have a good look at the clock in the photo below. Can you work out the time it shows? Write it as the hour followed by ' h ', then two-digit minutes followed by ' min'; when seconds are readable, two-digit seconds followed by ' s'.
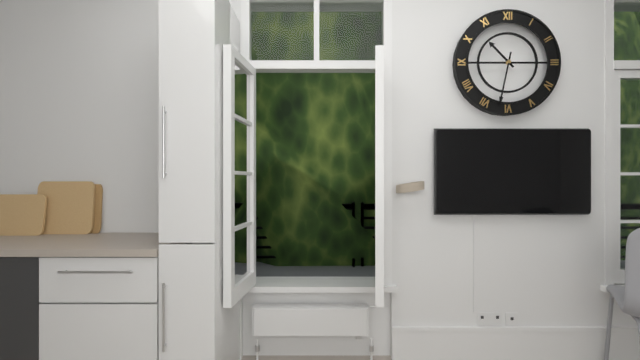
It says 10 h 32 min
